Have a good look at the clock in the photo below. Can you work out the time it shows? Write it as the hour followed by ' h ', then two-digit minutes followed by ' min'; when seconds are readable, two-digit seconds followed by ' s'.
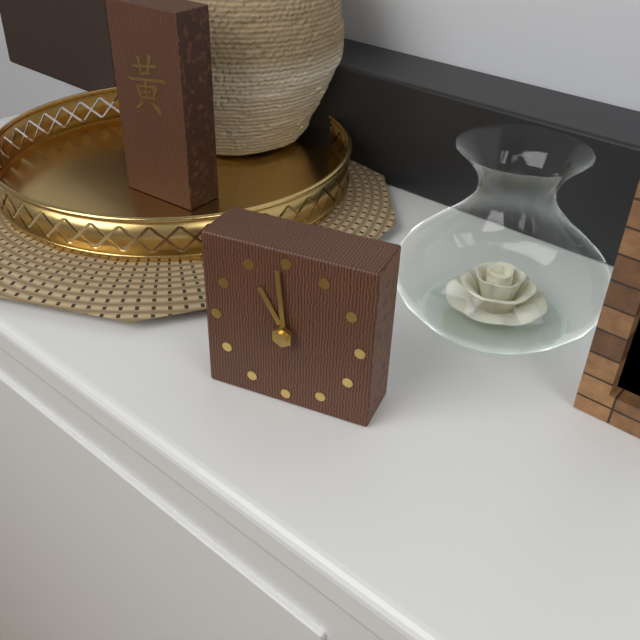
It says 10 h 59 min
